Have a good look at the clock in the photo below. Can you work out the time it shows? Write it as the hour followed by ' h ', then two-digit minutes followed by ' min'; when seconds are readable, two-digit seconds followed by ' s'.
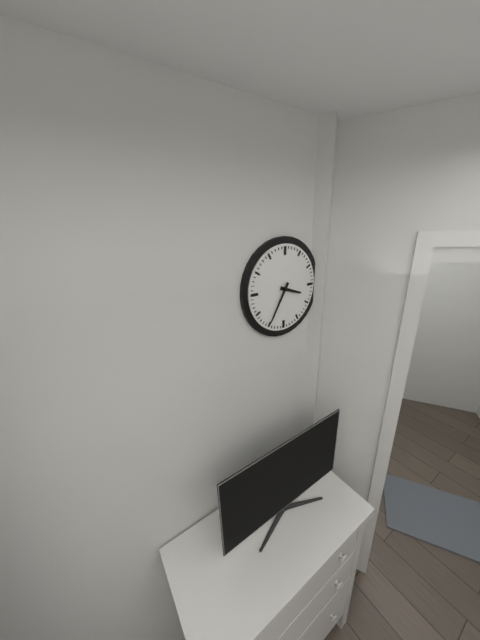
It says 3 h 35 min
